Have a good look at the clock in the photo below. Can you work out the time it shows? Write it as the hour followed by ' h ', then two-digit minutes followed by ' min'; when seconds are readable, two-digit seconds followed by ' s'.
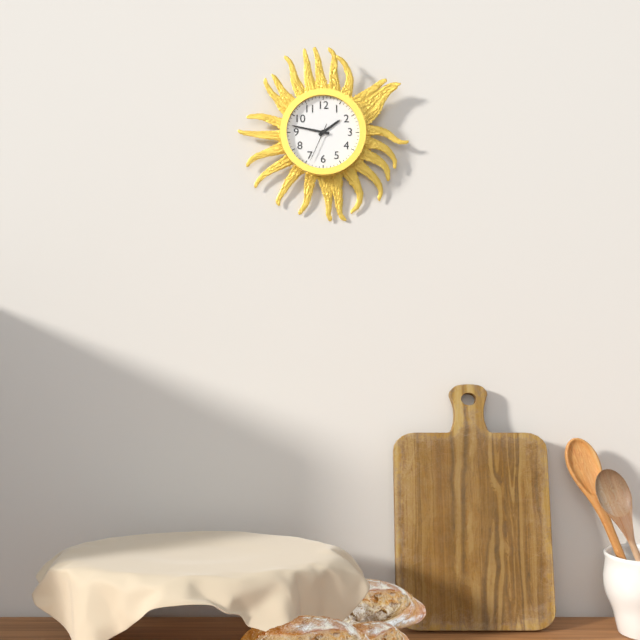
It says 1 h 47 min
